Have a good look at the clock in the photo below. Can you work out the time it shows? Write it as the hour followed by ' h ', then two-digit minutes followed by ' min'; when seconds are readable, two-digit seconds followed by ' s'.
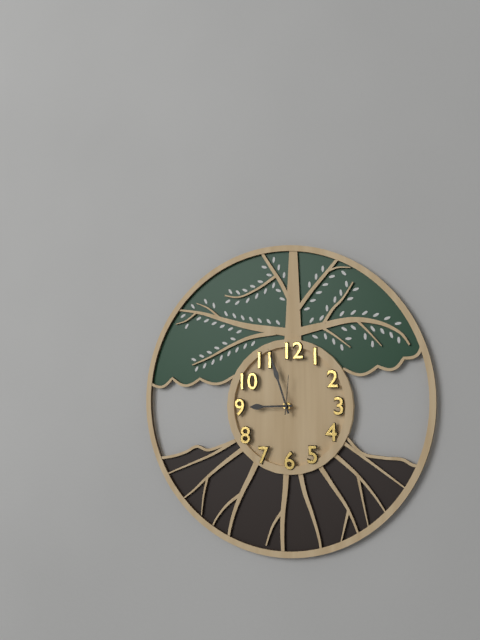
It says 8 h 57 min
